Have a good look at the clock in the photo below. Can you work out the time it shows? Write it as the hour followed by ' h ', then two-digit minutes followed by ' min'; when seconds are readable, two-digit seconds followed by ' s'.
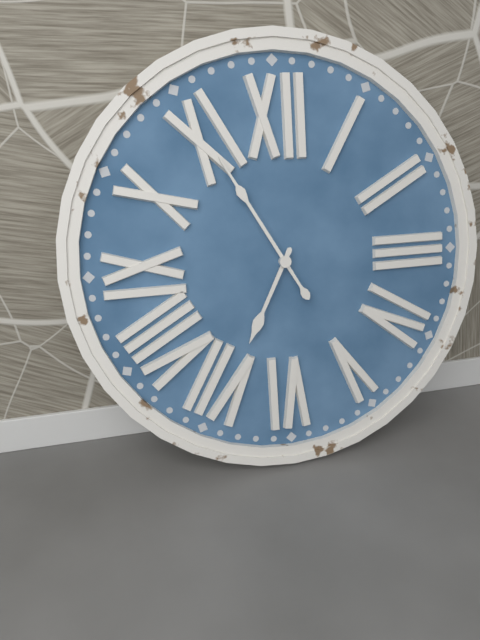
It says 6 h 55 min
